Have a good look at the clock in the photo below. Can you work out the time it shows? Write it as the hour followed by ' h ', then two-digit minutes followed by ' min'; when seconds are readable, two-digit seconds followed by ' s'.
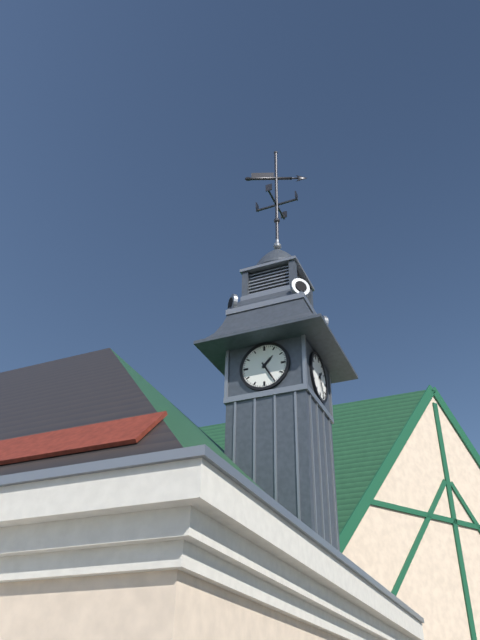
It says 1 h 25 min
